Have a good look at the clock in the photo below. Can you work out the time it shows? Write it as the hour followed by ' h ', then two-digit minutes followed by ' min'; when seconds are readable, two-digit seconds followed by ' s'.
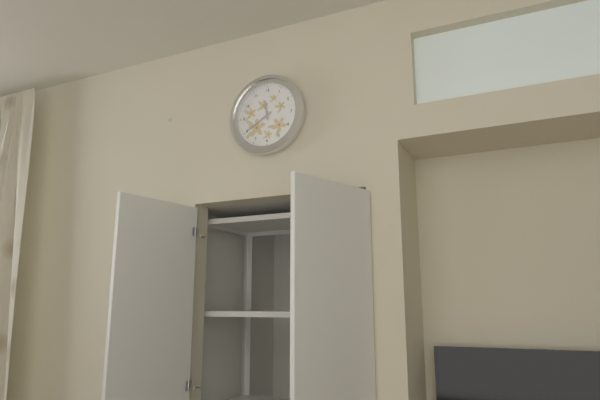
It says 11 h 40 min
